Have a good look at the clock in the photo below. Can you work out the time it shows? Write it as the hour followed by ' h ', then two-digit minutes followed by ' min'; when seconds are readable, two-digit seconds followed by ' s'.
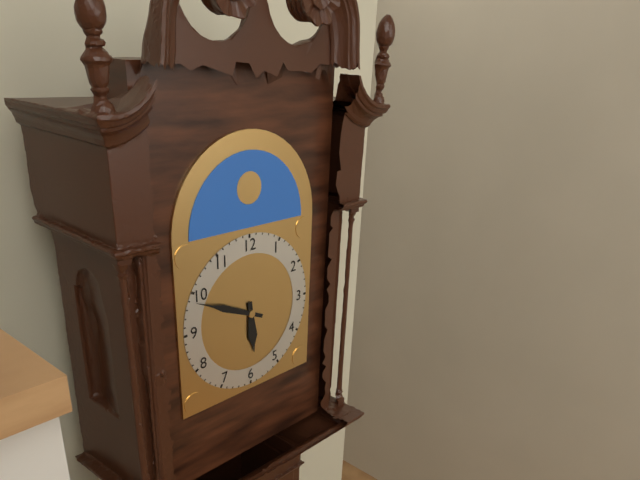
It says 5 h 49 min
